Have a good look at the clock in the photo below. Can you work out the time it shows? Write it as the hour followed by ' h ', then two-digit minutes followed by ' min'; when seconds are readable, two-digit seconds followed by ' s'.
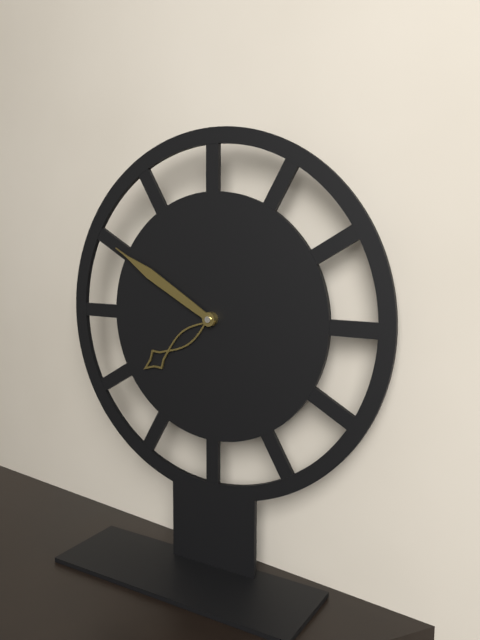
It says 7 h 50 min
